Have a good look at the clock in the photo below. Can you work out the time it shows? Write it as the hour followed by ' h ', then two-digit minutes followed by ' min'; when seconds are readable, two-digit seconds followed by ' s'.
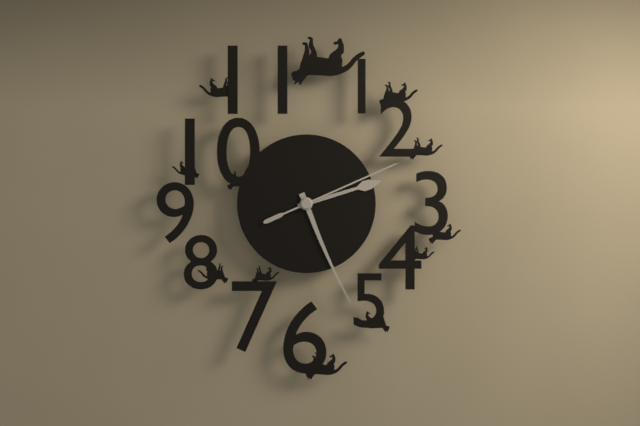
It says 2 h 26 min 11 s
